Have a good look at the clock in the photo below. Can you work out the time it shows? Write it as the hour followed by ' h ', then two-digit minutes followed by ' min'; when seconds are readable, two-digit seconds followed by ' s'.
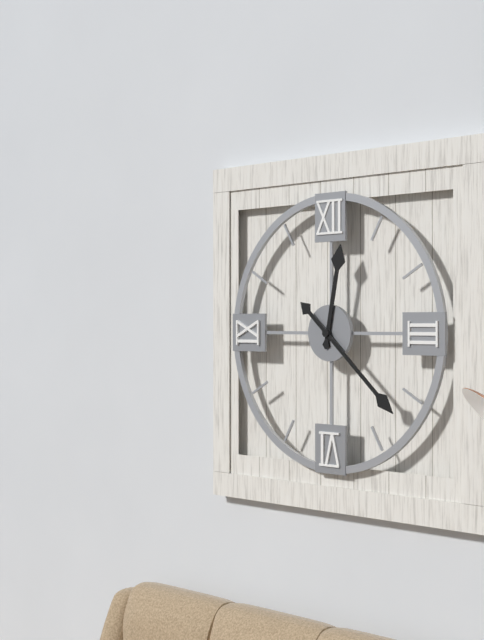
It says 12 h 22 min
